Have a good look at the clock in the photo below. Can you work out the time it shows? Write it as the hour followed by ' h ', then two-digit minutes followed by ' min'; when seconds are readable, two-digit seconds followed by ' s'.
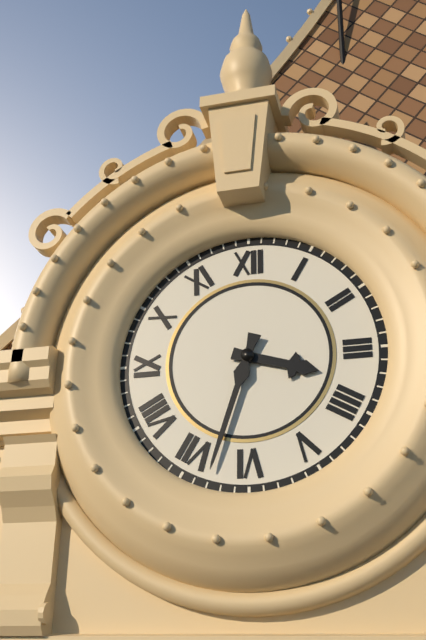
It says 3 h 33 min
